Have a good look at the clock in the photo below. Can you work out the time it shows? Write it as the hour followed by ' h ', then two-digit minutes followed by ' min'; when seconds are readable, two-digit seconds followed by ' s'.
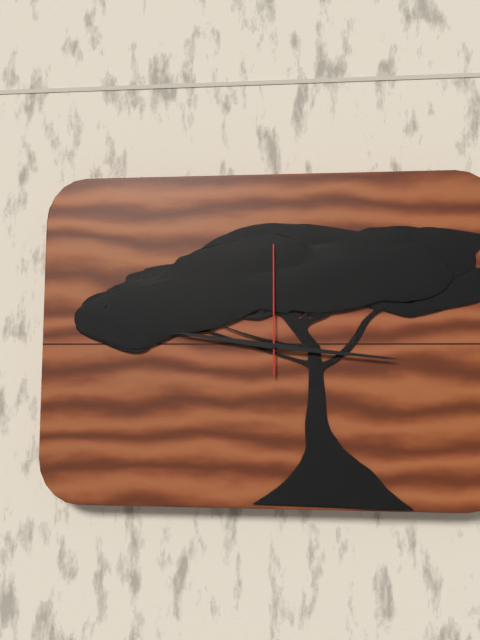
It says 9 h 16 min 00 s
